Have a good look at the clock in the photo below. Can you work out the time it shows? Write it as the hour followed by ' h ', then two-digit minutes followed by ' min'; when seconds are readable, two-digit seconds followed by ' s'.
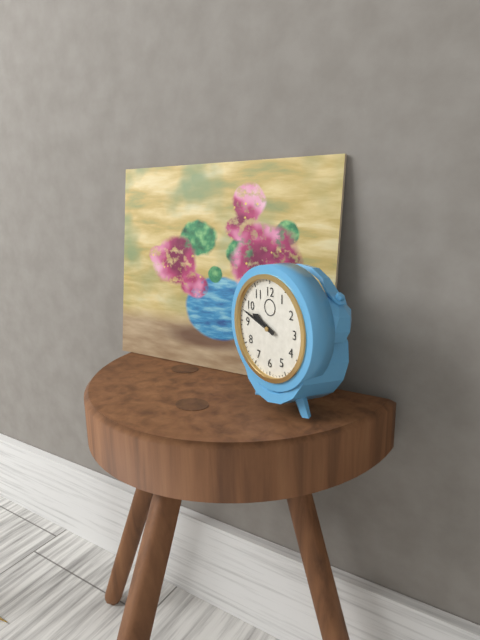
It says 9 h 48 min
